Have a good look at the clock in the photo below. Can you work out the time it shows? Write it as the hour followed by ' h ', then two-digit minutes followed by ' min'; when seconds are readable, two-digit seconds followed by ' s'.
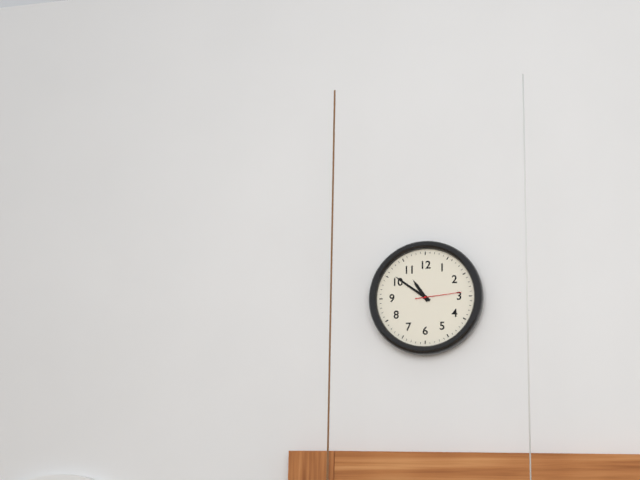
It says 10 h 51 min
